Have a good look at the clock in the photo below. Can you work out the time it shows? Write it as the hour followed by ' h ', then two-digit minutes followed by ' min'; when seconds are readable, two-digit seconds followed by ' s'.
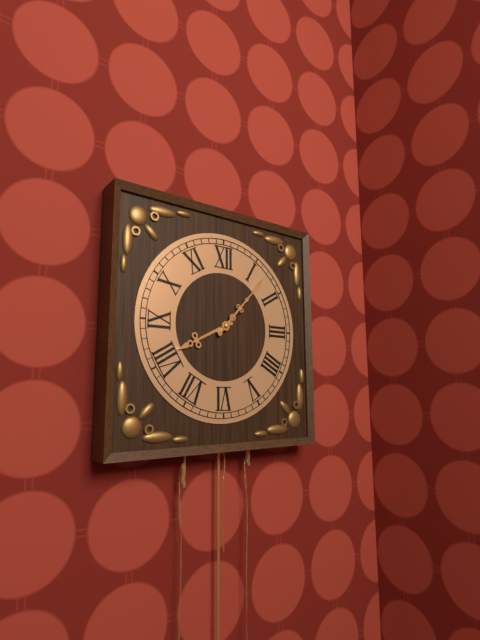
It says 8 h 07 min
